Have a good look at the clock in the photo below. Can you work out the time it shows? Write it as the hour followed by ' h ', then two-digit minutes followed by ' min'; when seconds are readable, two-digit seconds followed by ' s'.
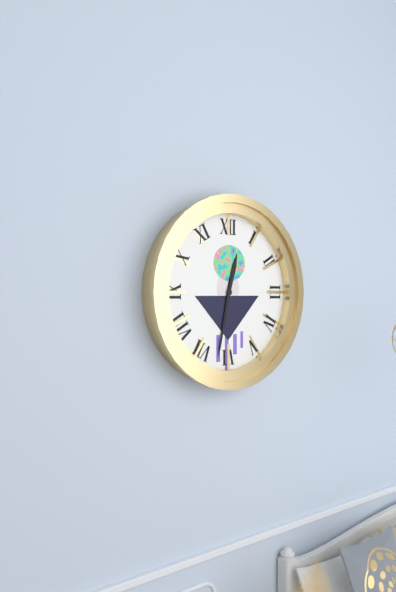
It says 12 h 32 min
